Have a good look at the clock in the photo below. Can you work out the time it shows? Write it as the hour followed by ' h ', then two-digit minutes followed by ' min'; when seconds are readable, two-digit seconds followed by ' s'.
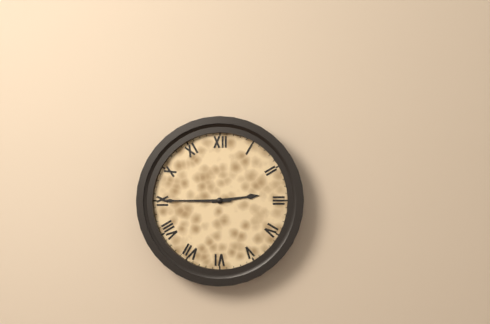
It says 2 h 45 min
